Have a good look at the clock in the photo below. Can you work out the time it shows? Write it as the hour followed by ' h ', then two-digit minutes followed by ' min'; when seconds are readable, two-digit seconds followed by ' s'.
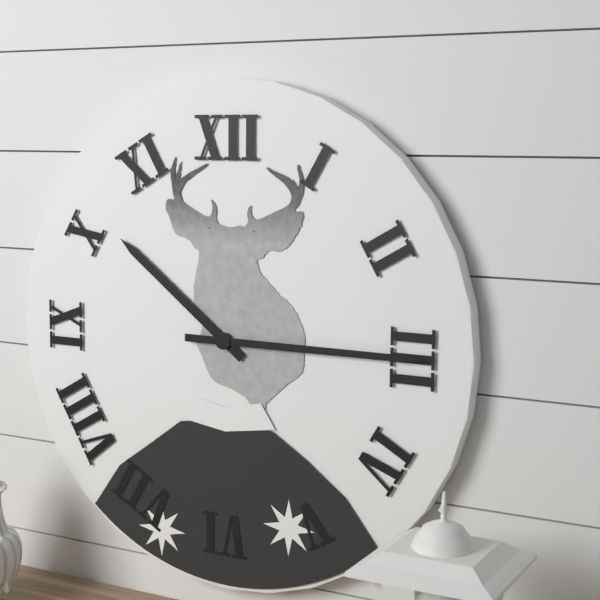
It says 10 h 15 min
